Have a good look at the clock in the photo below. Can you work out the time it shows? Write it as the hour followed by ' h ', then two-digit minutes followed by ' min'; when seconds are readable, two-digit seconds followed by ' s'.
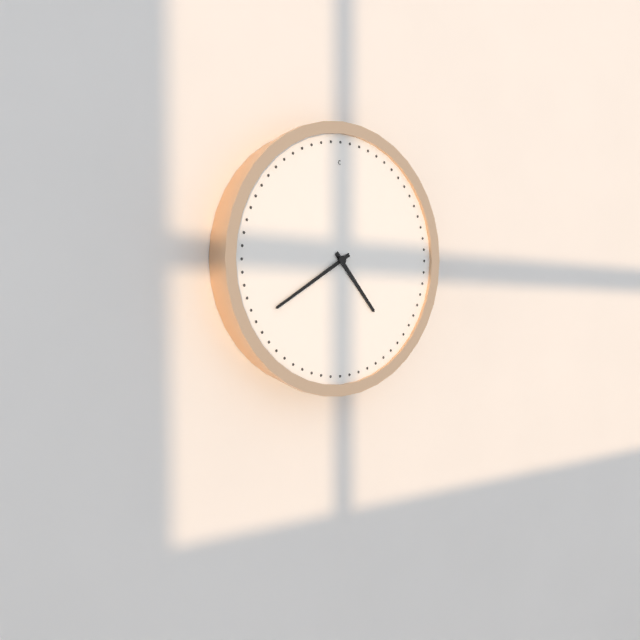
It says 4 h 40 min
